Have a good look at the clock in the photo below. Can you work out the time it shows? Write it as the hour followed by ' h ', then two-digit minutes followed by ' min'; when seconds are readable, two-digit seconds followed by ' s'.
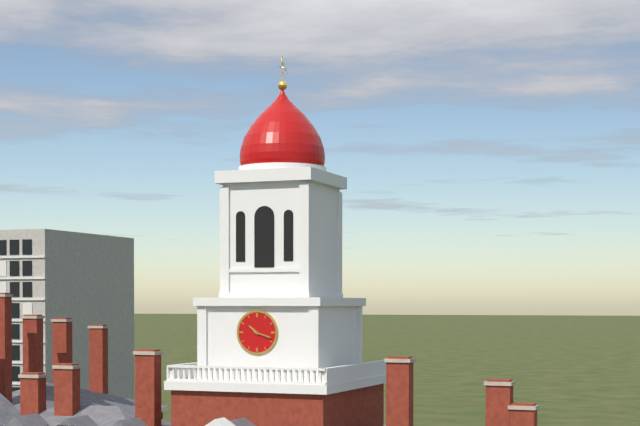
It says 10 h 18 min
